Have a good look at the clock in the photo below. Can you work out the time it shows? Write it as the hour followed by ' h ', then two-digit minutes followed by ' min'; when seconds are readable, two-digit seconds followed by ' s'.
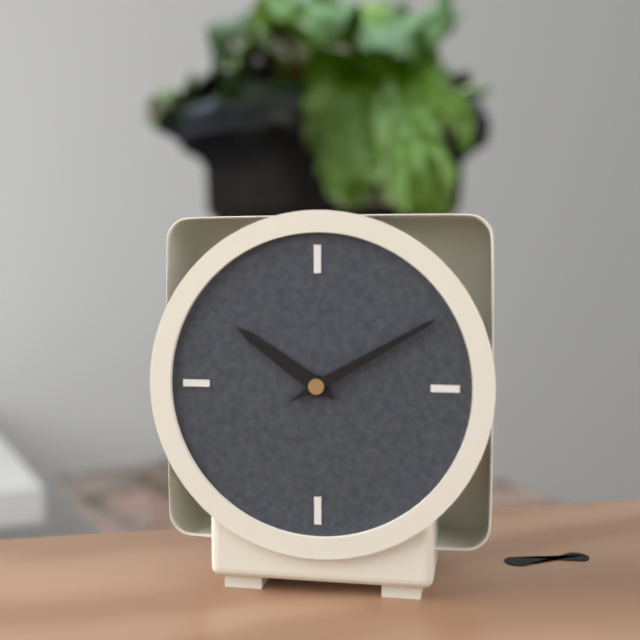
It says 10 h 10 min
